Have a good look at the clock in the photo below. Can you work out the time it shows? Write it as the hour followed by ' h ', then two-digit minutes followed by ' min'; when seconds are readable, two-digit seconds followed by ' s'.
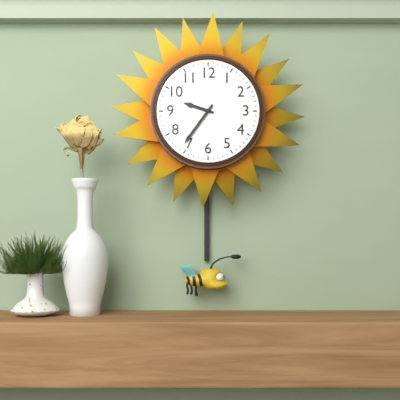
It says 9 h 36 min
